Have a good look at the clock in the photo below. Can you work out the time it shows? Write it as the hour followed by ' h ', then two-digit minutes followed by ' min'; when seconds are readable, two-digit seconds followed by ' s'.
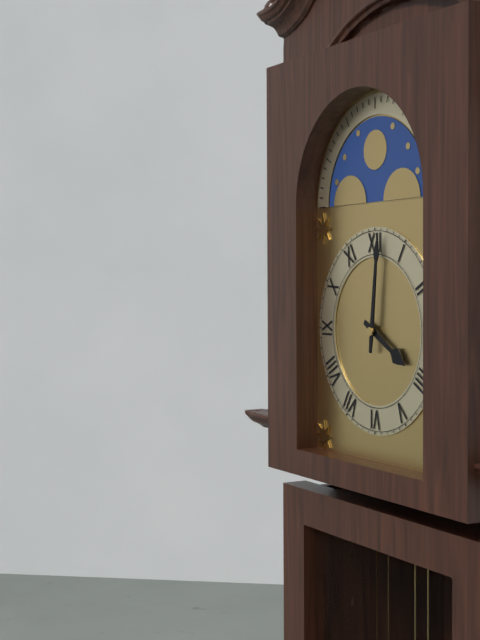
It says 4 h 01 min
